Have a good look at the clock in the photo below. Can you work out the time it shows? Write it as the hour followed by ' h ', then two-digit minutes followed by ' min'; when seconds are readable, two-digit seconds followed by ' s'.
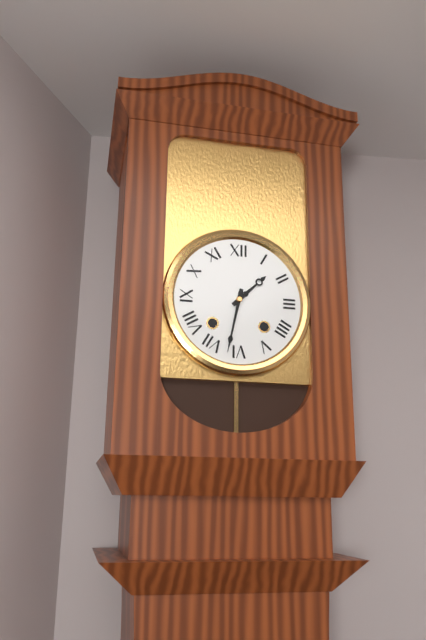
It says 1 h 32 min
